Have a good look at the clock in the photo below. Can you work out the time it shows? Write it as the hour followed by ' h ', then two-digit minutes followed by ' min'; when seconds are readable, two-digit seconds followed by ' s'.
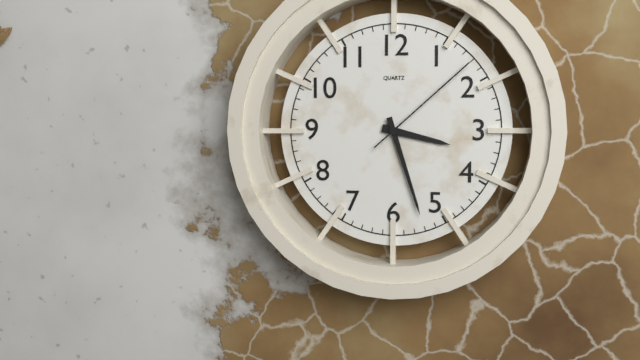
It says 3 h 27 min 08 s
